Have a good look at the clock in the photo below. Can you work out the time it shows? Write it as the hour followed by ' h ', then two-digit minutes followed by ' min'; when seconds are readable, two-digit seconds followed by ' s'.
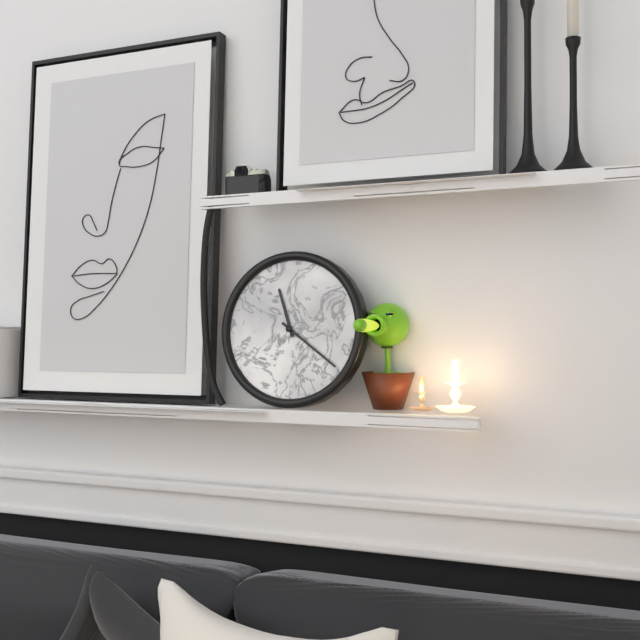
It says 11 h 21 min
